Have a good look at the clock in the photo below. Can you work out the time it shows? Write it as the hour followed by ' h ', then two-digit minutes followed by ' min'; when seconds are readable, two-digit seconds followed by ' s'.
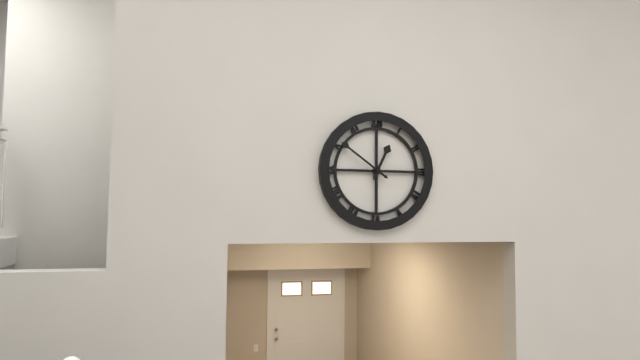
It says 12 h 51 min
